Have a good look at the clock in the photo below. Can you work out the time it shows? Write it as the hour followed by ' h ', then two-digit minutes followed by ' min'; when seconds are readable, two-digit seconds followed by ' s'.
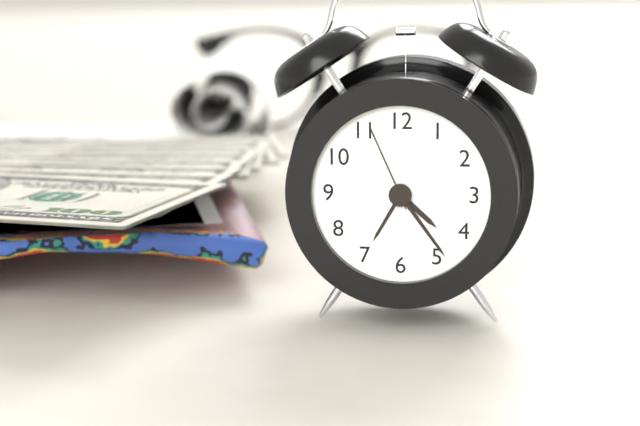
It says 4 h 24 min 56 s
